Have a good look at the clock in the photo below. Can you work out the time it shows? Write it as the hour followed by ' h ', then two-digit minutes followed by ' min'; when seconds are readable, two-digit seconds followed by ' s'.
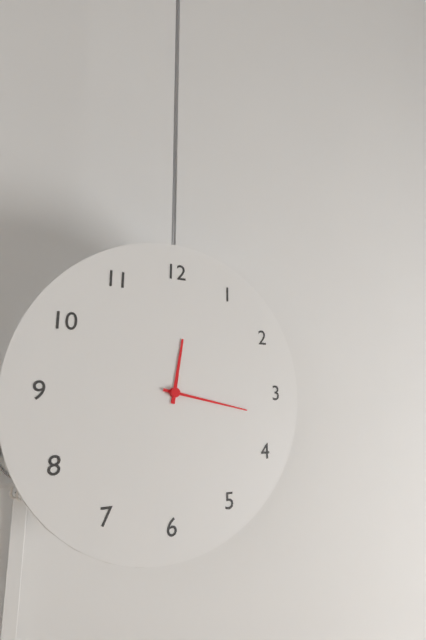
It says 12 h 17 min
